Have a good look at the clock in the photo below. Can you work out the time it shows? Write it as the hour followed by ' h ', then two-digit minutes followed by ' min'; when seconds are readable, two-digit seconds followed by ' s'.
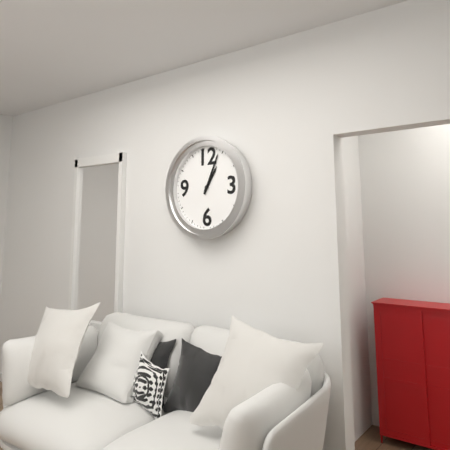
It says 1 h 04 min
